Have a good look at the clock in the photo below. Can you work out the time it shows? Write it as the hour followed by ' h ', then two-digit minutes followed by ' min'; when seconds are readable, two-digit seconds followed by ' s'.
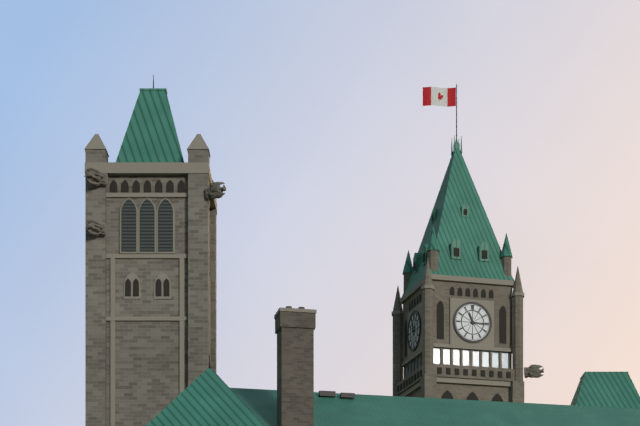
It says 11 h 16 min
